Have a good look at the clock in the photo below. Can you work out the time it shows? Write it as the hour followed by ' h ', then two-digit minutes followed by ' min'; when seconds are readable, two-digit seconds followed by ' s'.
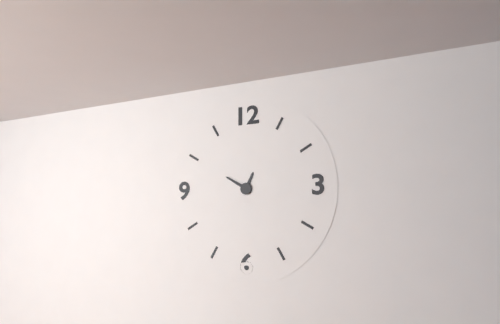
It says 12 h 50 min
